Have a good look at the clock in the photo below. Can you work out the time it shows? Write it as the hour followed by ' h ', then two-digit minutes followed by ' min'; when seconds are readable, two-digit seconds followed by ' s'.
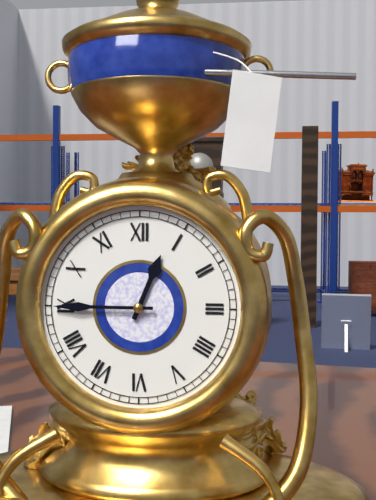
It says 12 h 45 min
